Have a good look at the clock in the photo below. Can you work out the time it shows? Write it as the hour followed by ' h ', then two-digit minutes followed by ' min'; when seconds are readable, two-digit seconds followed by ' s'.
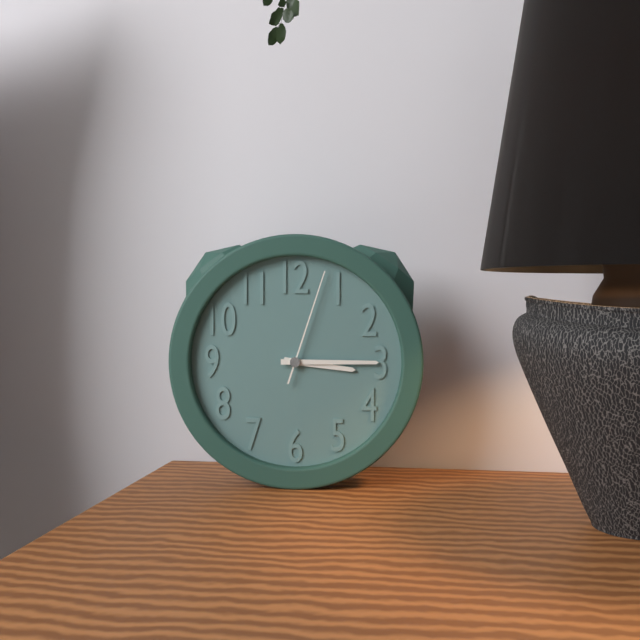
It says 3 h 15 min 03 s
